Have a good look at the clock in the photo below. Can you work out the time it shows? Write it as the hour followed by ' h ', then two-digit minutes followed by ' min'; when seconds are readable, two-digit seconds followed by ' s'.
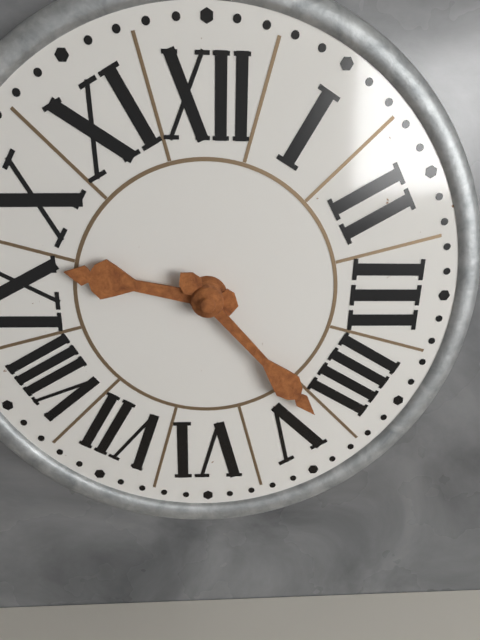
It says 9 h 23 min
